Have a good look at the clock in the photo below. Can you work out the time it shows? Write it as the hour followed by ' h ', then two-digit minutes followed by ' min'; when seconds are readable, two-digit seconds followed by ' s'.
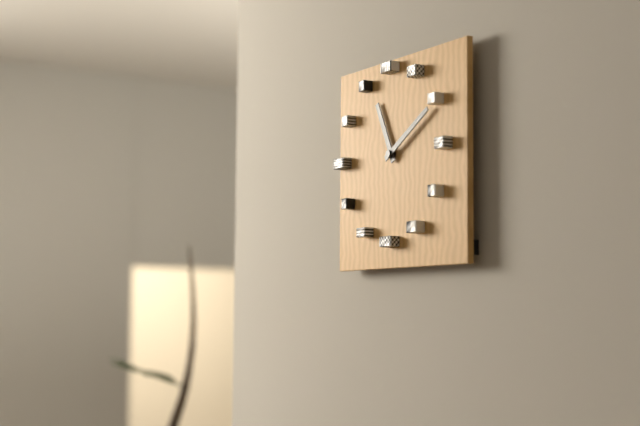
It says 11 h 10 min
